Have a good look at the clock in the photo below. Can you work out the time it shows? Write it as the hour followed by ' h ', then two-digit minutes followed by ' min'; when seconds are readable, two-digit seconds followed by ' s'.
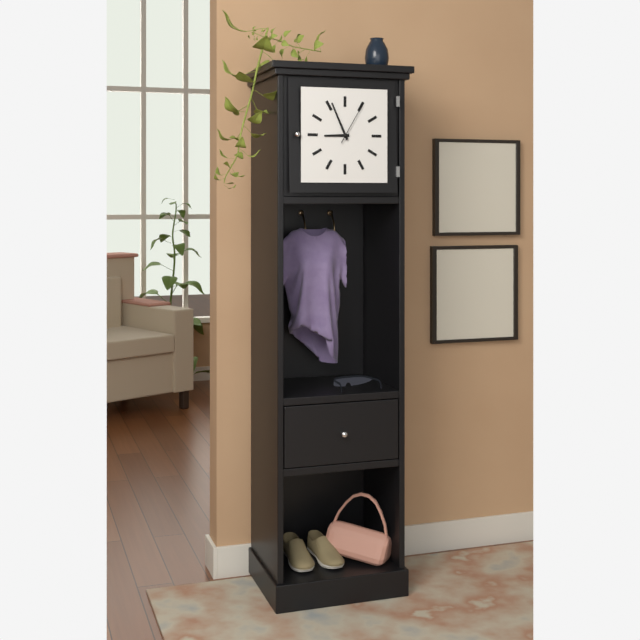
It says 8 h 56 min
